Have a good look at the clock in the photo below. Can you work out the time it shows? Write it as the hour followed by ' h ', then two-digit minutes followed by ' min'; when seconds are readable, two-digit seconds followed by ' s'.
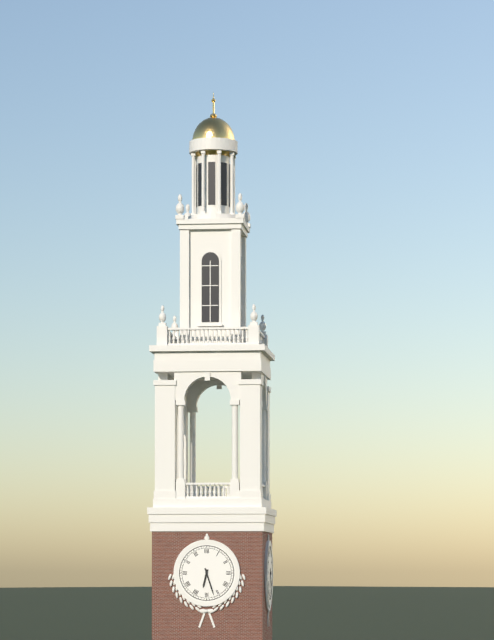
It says 6 h 27 min
